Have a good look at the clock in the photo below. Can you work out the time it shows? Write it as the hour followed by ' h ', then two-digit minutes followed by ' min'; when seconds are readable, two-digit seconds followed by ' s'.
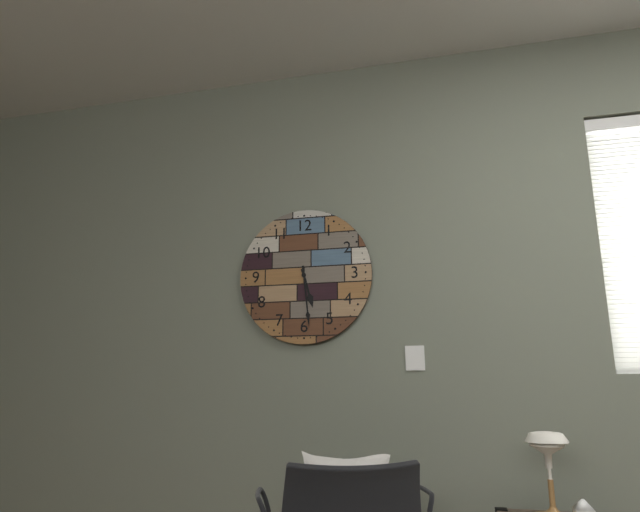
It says 5 h 29 min
